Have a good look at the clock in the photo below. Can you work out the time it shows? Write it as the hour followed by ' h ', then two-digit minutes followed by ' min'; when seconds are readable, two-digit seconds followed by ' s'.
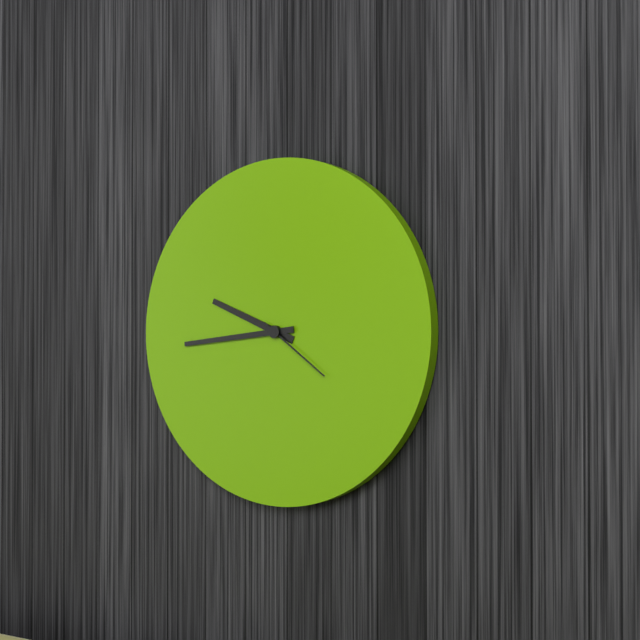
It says 9 h 44 min 21 s
